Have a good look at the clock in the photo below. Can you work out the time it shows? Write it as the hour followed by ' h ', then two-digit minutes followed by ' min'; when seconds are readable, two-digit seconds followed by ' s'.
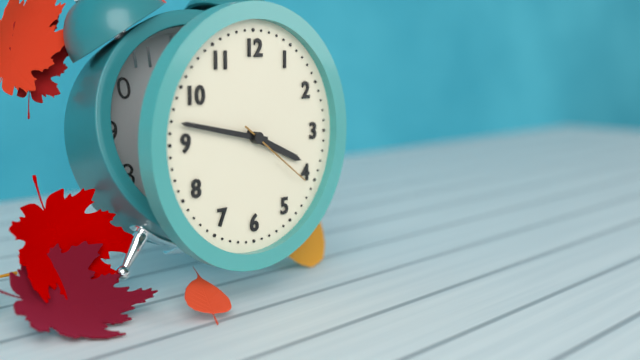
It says 3 h 47 min 21 s
